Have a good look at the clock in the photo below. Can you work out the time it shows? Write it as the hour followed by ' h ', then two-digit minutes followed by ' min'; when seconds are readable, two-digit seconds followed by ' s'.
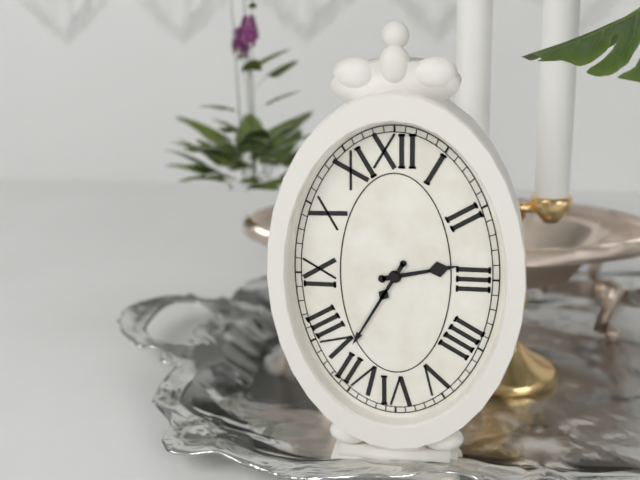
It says 2 h 35 min
